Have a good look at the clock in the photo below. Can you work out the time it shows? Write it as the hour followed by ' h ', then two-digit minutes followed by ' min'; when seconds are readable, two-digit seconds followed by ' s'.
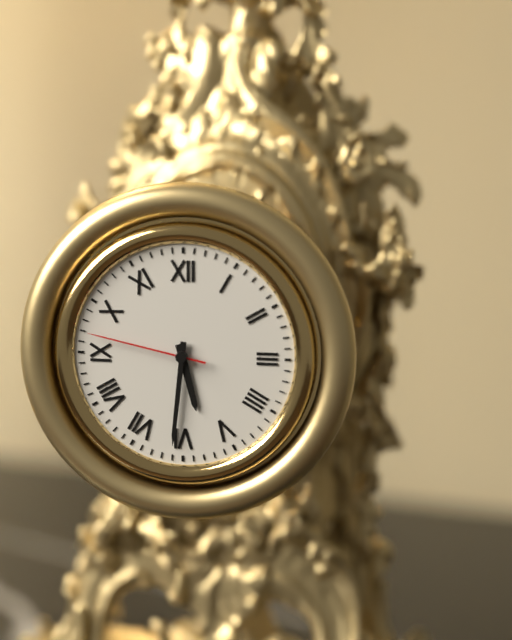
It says 5 h 31 min 47 s
